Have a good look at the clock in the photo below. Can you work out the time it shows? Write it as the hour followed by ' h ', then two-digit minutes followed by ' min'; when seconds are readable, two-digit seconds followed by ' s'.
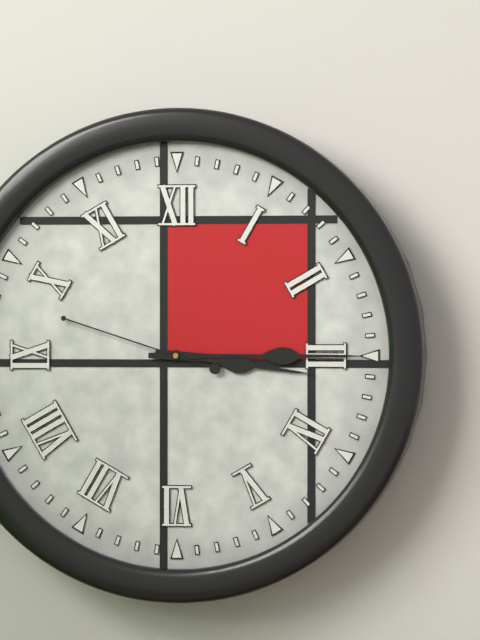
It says 3 h 15 min 48 s
